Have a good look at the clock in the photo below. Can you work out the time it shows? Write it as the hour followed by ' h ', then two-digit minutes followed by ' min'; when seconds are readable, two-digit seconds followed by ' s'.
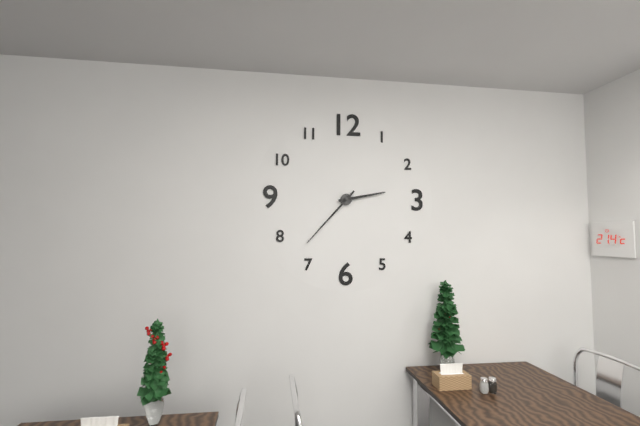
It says 2 h 37 min
